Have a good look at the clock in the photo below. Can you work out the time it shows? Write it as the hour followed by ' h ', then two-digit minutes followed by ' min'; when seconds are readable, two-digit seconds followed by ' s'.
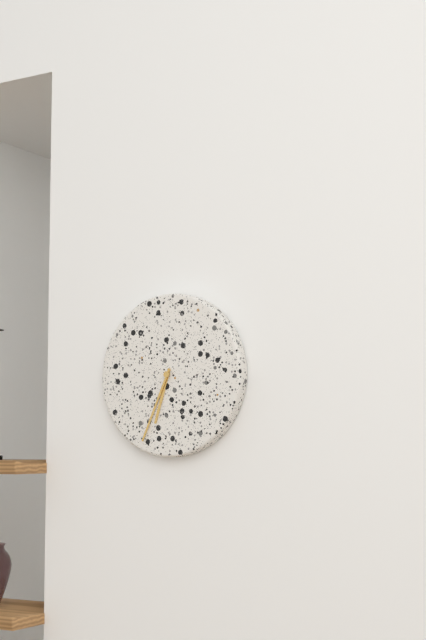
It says 6 h 34 min
